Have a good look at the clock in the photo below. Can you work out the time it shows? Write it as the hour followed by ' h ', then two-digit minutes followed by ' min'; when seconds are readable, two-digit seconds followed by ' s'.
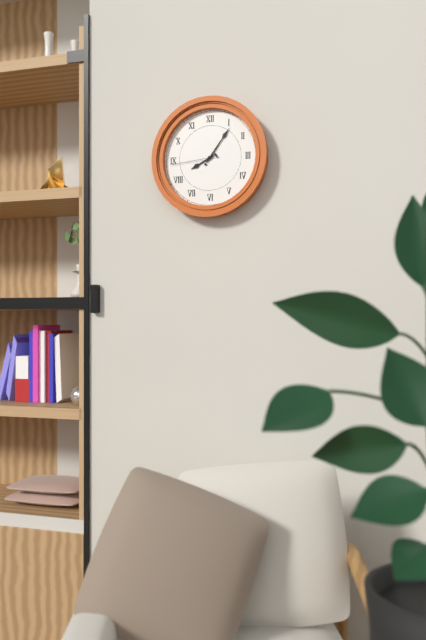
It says 8 h 06 min 44 s
